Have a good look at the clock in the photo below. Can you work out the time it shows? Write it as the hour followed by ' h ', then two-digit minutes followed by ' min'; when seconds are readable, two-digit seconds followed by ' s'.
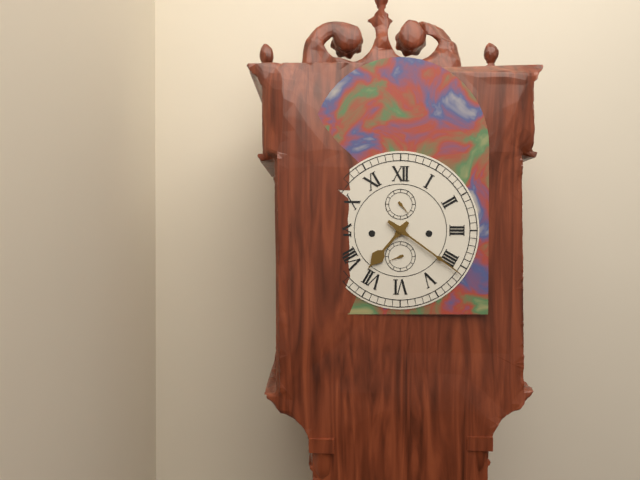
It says 7 h 21 min
